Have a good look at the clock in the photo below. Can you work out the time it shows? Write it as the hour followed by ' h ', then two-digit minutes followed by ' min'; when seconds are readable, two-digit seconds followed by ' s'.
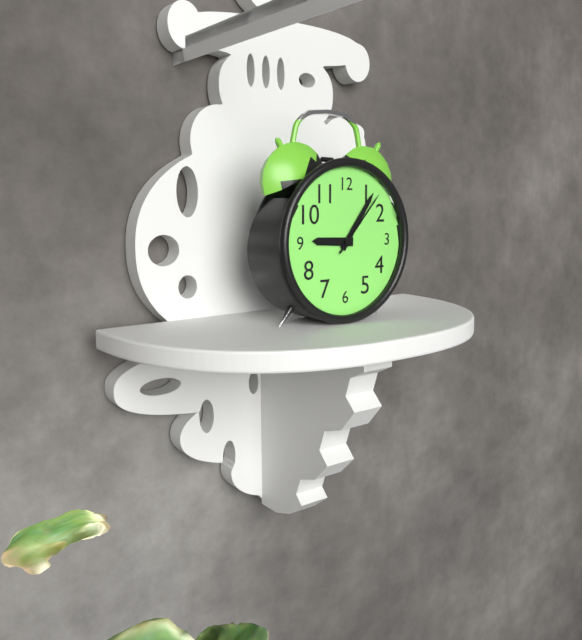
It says 9 h 06 min 07 s
